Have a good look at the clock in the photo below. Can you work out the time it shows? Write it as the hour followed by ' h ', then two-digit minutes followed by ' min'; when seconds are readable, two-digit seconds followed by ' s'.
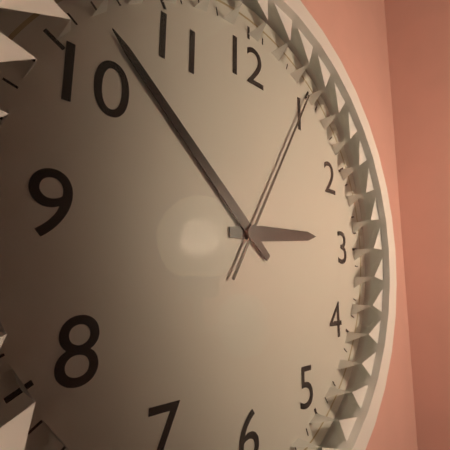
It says 2 h 52 min 05 s
